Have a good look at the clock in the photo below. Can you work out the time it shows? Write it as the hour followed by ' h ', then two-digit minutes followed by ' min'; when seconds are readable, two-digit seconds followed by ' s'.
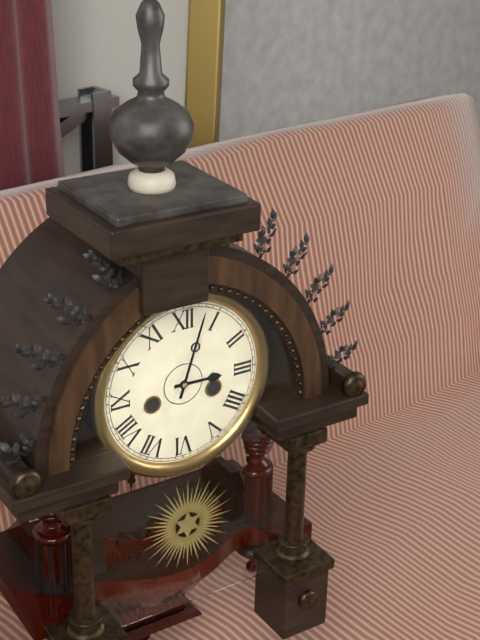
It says 3 h 03 min
